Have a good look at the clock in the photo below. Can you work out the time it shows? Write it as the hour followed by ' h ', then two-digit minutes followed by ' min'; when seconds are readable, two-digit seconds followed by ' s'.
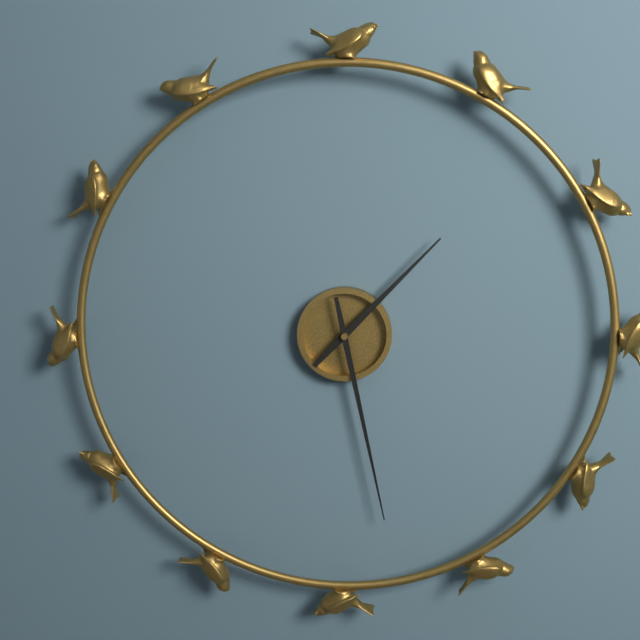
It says 1 h 28 min
